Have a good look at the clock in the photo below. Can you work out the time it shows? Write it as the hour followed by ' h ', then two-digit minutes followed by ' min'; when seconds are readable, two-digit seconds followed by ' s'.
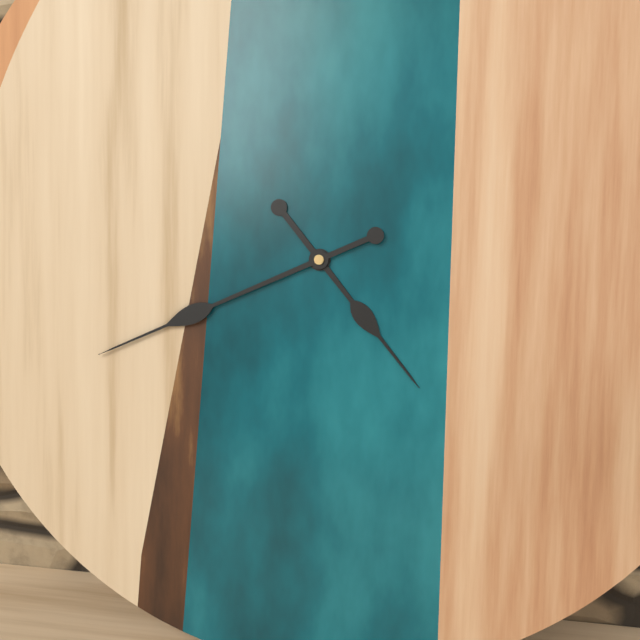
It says 4 h 41 min
